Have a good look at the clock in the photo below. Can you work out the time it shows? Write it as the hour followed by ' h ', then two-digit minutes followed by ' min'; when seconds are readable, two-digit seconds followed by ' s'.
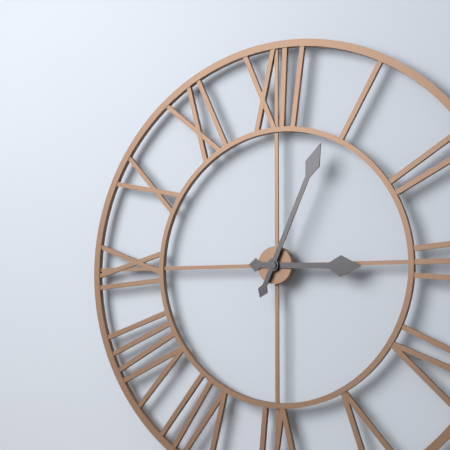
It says 3 h 04 min
